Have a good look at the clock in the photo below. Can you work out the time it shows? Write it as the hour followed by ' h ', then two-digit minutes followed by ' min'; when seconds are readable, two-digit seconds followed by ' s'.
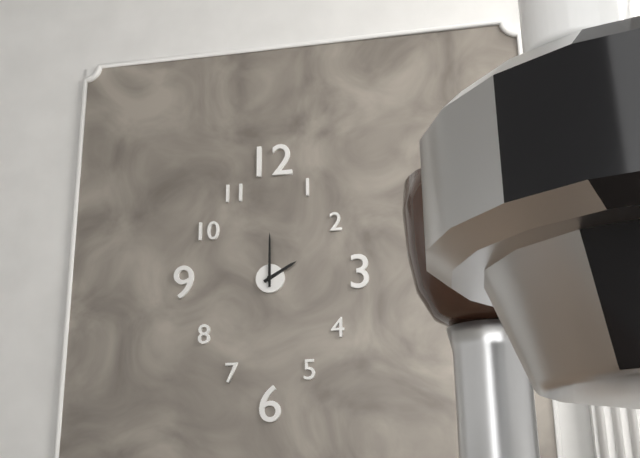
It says 2 h 00 min
